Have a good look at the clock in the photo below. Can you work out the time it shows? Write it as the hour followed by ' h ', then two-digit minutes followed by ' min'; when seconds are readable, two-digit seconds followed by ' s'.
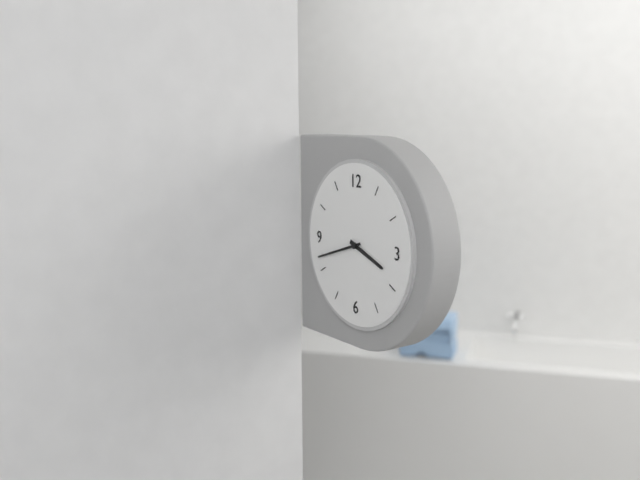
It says 3 h 42 min
